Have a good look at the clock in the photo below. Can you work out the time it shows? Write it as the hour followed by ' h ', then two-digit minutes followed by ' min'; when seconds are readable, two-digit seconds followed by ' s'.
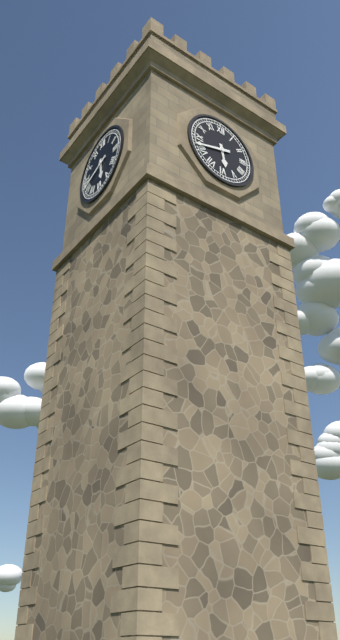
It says 5 h 42 min
